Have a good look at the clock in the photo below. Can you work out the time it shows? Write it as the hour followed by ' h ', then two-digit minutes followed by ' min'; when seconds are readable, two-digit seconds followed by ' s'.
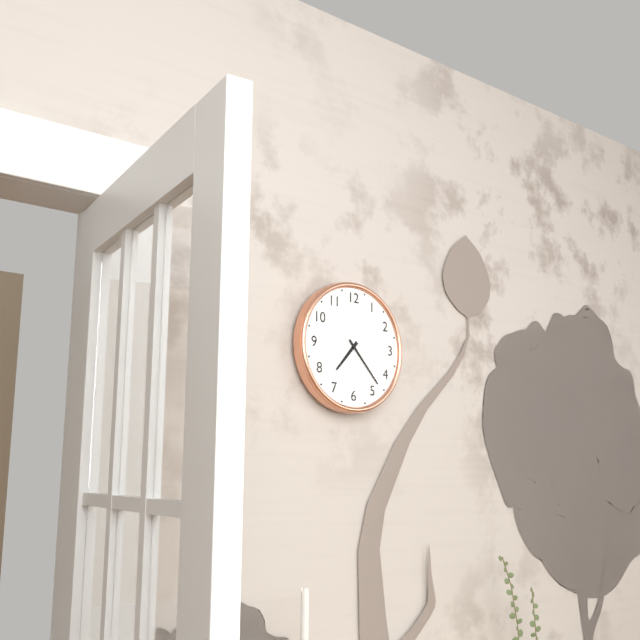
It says 7 h 23 min
